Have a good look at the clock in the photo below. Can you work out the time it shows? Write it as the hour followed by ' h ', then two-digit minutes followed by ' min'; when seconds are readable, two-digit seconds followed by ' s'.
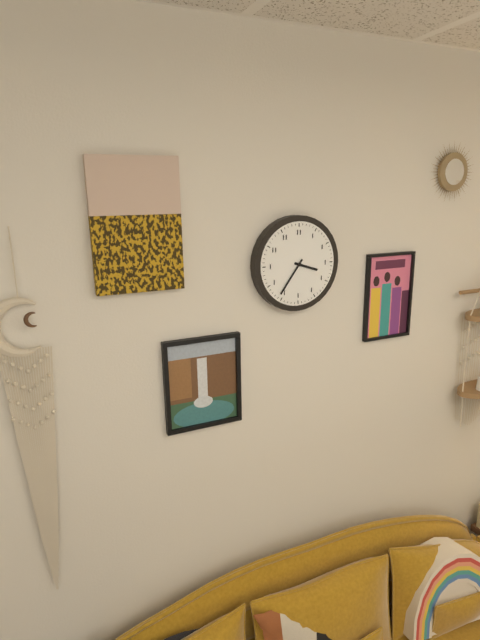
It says 3 h 36 min
